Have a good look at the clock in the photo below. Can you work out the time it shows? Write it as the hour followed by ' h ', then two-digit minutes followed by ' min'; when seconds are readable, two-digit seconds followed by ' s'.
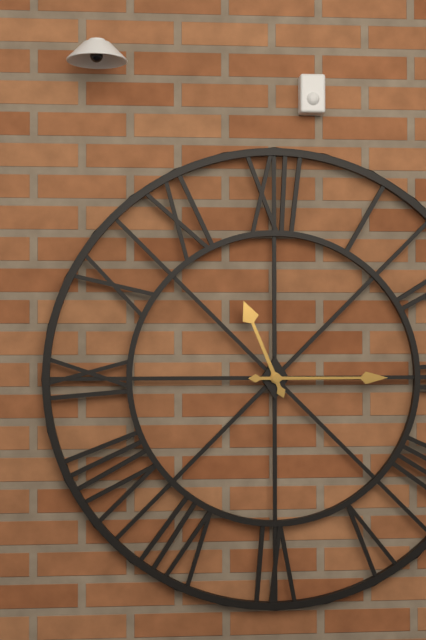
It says 11 h 15 min
